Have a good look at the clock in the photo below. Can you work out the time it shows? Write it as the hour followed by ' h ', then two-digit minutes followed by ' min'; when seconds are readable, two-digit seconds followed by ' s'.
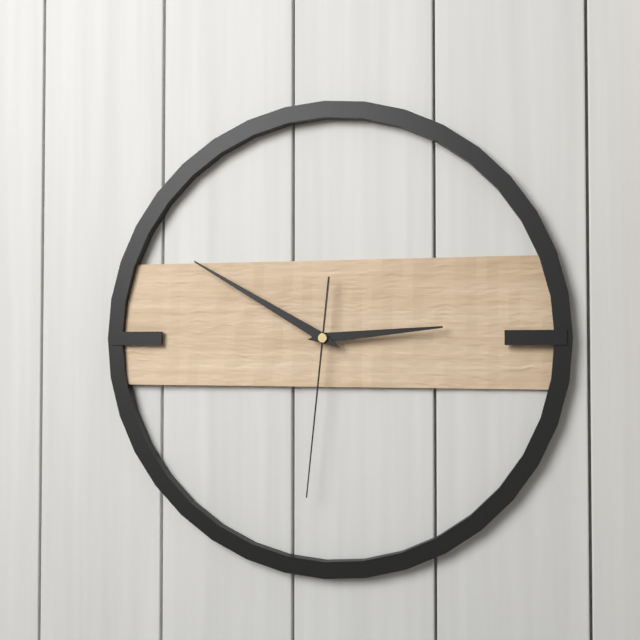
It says 2 h 50 min 31 s
